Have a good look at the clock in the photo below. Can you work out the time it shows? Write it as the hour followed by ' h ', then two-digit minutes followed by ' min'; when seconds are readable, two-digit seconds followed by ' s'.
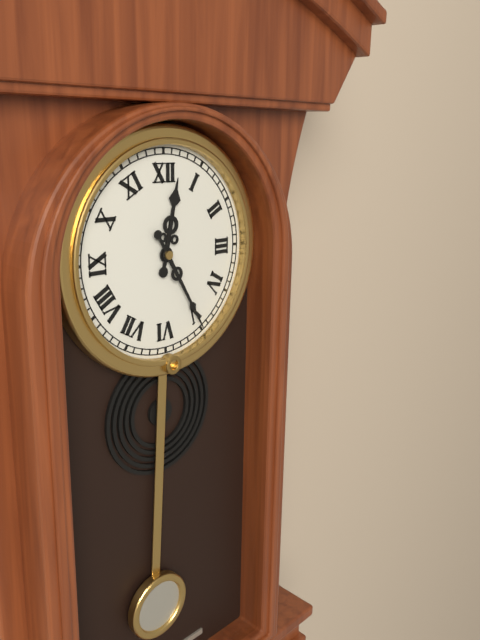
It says 12 h 25 min
